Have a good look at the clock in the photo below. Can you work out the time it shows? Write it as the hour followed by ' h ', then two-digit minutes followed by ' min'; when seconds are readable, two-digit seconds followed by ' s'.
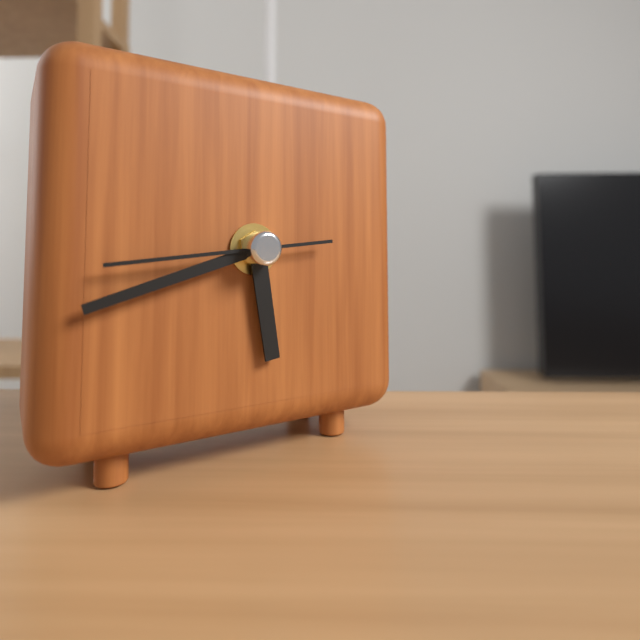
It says 5 h 42 min 44 s
